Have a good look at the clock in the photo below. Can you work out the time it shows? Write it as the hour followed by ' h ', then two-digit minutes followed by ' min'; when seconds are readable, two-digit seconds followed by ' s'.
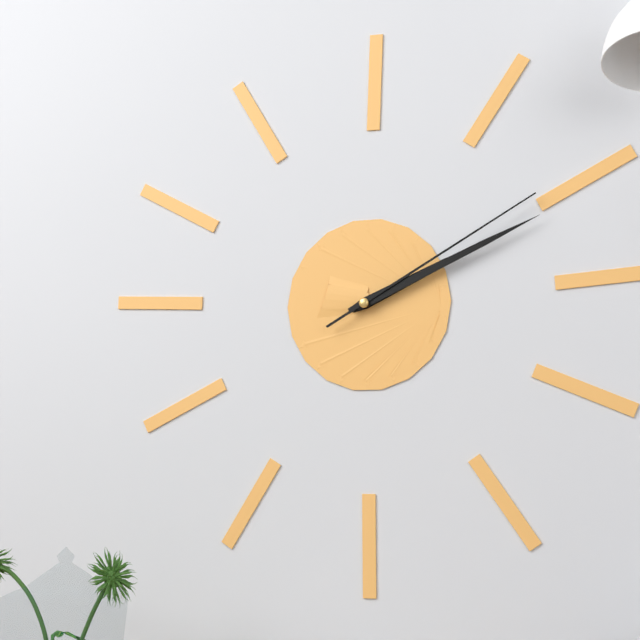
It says 2 h 11 min 10 s
